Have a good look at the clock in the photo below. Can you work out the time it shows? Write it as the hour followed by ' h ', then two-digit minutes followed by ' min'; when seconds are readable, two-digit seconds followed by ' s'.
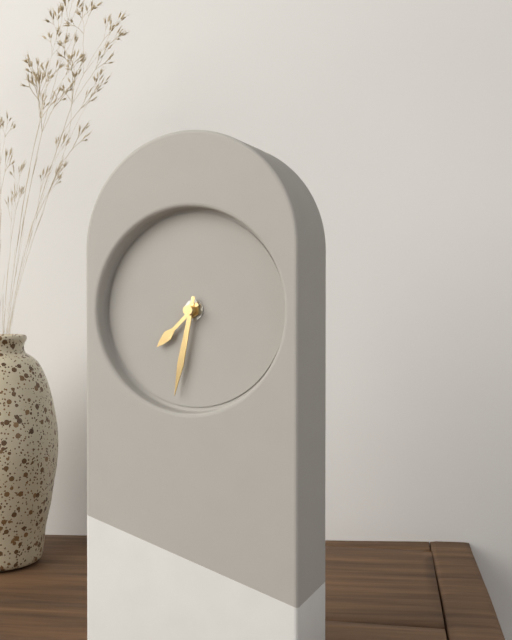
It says 7 h 32 min
